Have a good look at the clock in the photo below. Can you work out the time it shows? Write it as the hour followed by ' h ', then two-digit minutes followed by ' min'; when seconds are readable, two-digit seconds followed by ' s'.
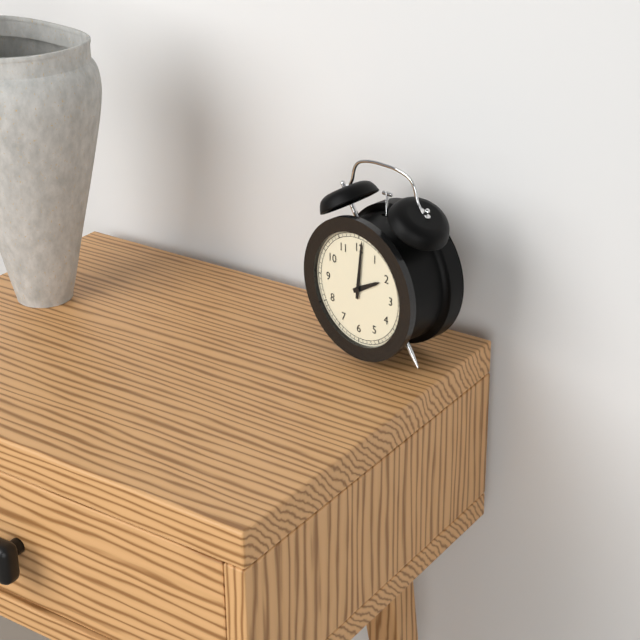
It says 2 h 01 min
